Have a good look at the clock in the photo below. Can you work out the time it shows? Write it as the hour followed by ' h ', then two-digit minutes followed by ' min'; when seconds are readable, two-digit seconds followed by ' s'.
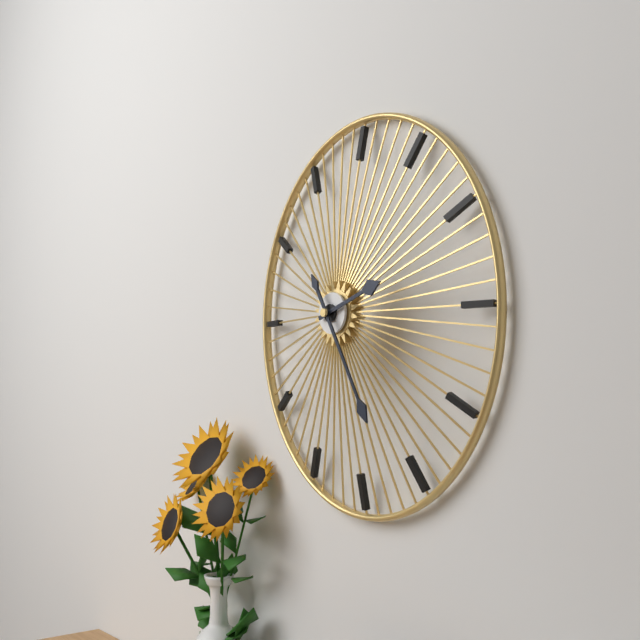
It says 2 h 25 min
